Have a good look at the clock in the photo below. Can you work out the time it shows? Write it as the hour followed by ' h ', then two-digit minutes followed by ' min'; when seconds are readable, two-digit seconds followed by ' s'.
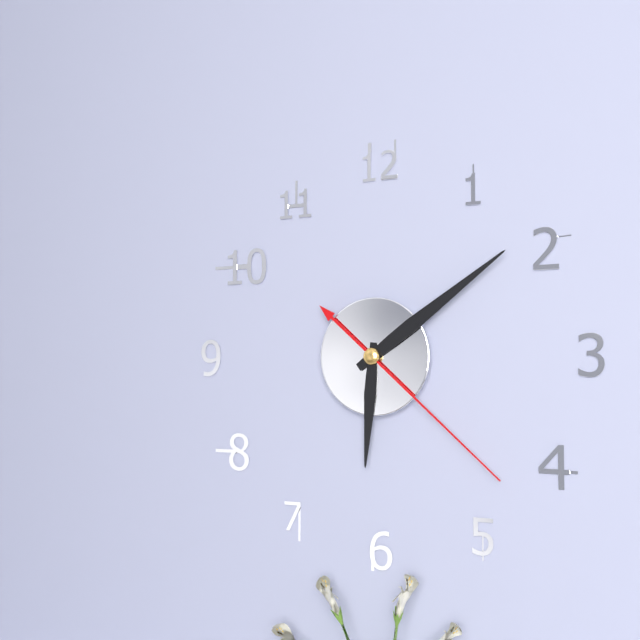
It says 6 h 09 min 22 s
